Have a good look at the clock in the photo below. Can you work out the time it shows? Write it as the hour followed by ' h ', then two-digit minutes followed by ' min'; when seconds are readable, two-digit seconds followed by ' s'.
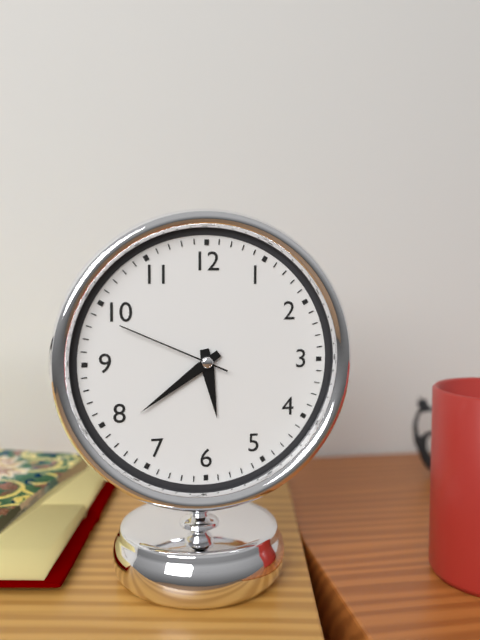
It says 5 h 39 min 49 s
